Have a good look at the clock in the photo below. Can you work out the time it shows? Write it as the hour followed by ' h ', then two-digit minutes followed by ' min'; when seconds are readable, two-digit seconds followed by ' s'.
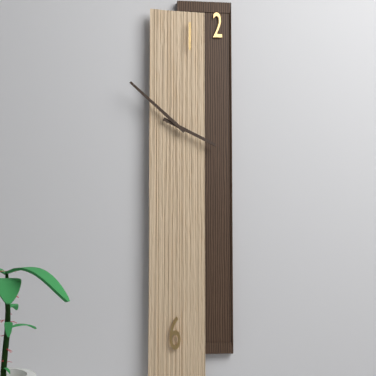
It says 3 h 52 min
